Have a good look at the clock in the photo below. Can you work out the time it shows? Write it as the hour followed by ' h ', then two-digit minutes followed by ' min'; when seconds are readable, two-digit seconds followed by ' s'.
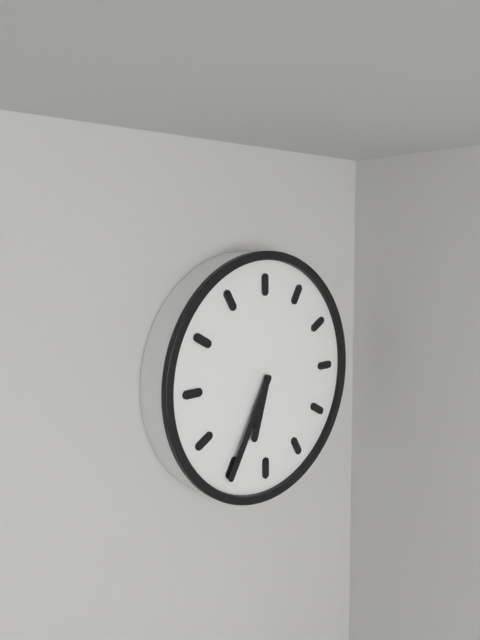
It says 6 h 35 min
